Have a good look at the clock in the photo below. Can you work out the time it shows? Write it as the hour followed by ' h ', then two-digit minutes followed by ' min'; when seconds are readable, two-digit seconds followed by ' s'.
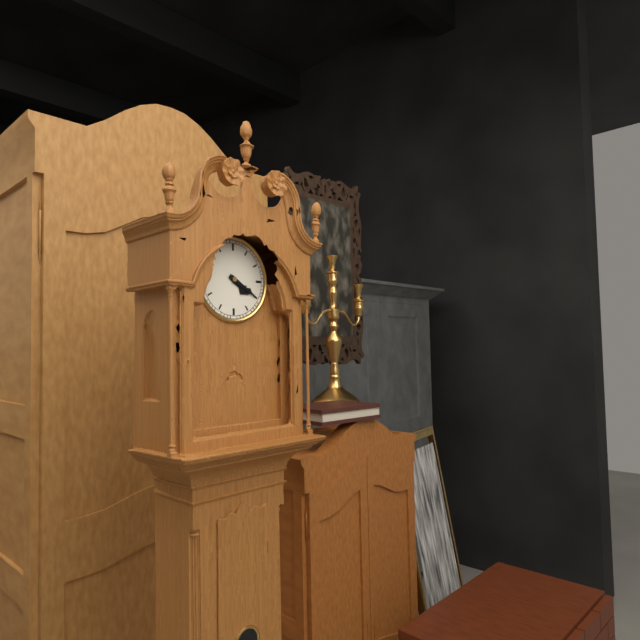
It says 4 h 20 min
